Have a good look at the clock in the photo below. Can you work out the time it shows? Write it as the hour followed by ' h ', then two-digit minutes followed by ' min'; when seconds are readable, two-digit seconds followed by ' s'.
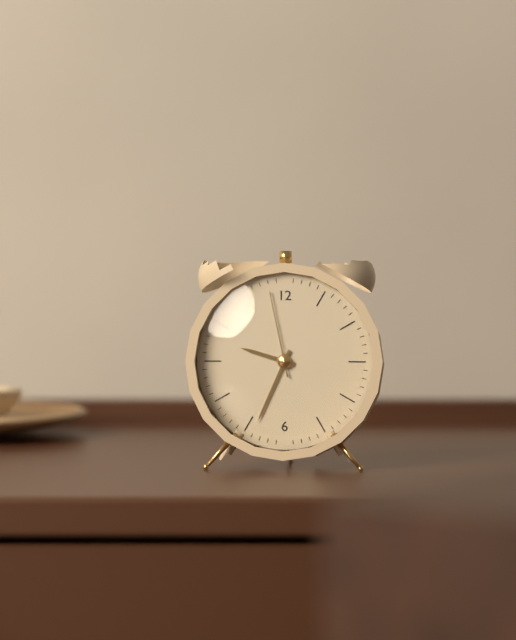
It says 9 h 34 min 58 s
